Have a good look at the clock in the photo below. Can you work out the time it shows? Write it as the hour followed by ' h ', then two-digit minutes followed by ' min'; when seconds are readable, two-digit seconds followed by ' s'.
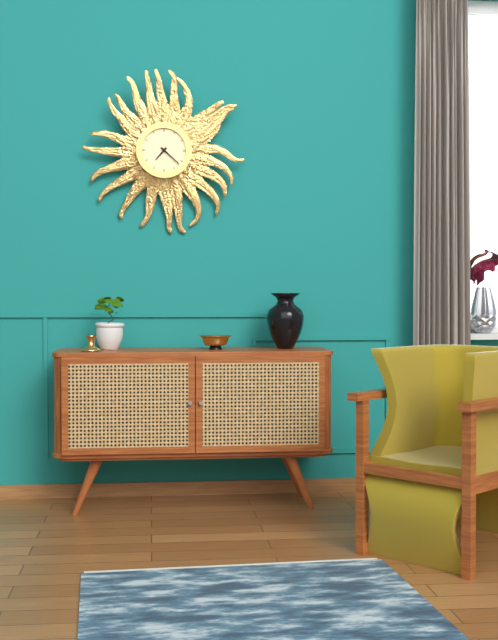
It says 7 h 22 min
